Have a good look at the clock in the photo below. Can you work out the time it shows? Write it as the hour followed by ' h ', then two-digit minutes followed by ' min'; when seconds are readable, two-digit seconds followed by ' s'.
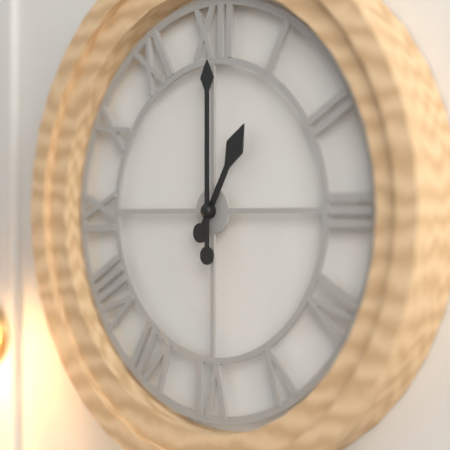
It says 1 h 00 min
